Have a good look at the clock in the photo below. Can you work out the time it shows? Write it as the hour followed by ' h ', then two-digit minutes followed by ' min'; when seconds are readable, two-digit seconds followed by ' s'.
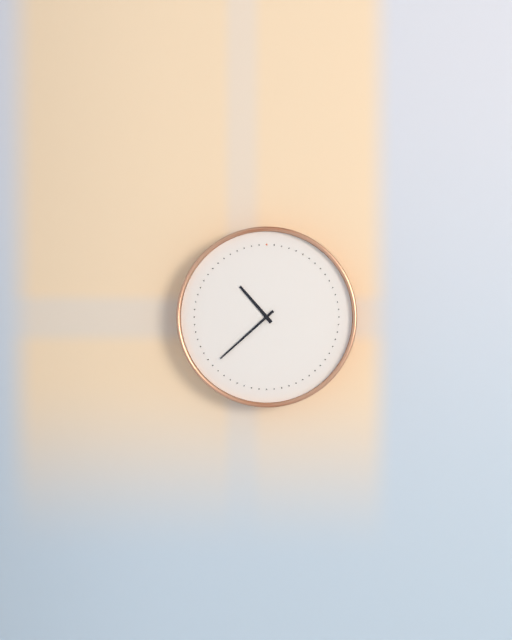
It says 10 h 38 min
